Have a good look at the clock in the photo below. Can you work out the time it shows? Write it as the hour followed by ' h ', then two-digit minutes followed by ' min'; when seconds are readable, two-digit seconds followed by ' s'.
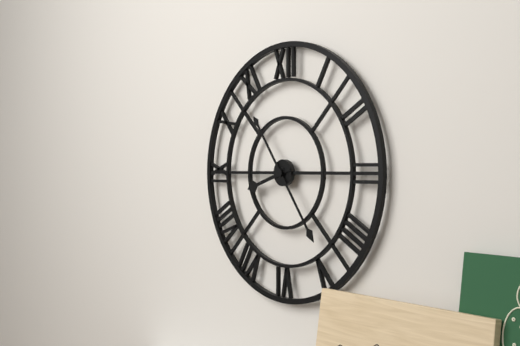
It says 8 h 24 min
